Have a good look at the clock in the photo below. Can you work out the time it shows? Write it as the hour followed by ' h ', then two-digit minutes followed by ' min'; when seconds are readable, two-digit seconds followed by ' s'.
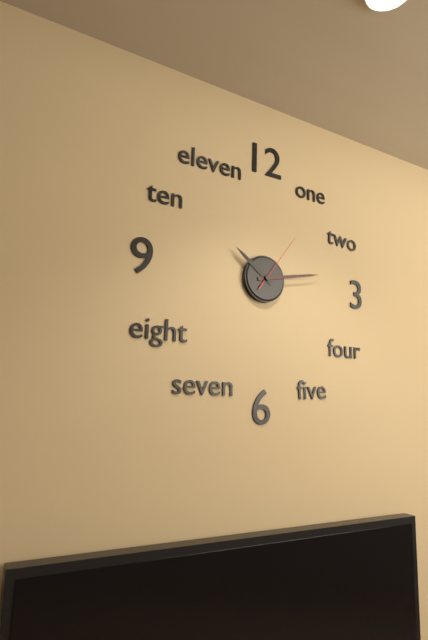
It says 10 h 13 min 06 s
